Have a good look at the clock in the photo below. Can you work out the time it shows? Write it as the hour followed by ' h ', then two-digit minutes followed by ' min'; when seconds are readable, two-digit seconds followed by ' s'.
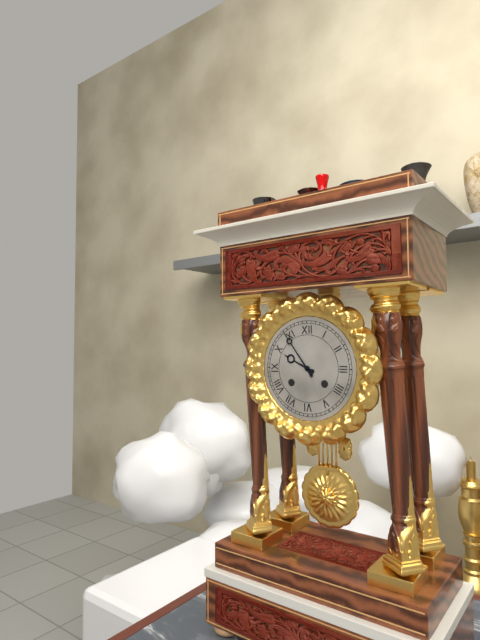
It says 9 h 54 min
